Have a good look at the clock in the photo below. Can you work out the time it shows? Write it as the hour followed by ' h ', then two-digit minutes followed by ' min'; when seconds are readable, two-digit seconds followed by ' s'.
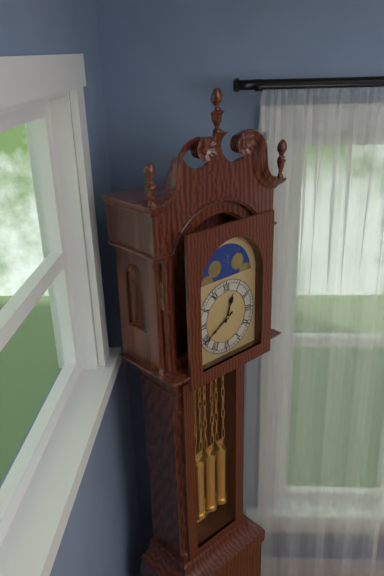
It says 12 h 40 min
